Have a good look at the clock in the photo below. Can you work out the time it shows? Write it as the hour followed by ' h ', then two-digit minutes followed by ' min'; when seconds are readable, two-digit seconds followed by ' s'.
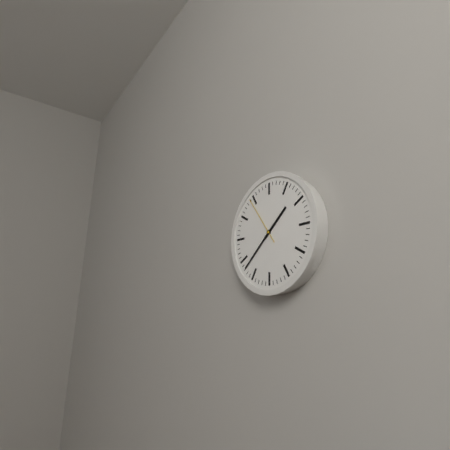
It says 1 h 38 min
